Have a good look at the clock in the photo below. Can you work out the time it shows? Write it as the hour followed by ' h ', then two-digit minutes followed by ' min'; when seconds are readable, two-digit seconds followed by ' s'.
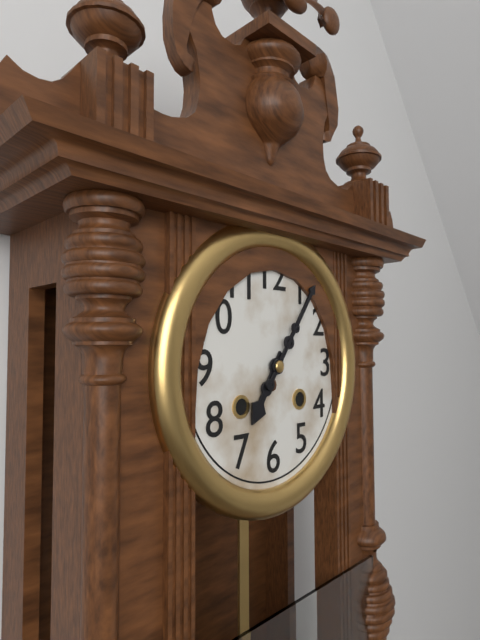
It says 7 h 06 min
